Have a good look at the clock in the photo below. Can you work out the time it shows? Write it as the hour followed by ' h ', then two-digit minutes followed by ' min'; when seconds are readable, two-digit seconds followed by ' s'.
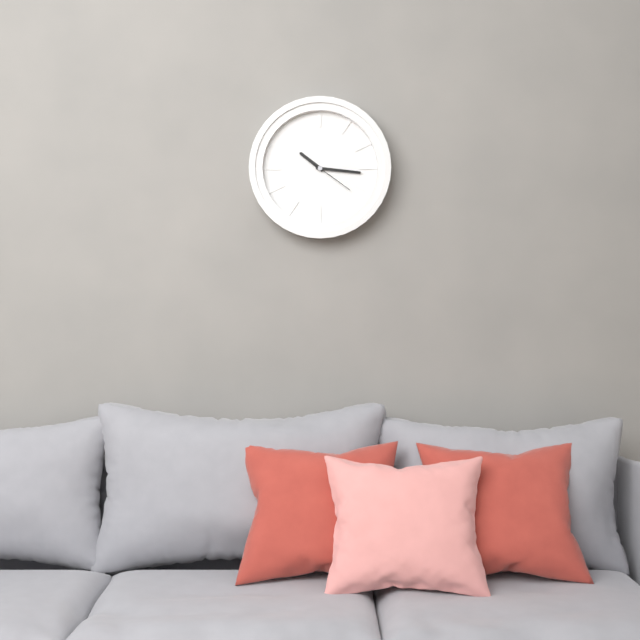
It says 10 h 16 min
